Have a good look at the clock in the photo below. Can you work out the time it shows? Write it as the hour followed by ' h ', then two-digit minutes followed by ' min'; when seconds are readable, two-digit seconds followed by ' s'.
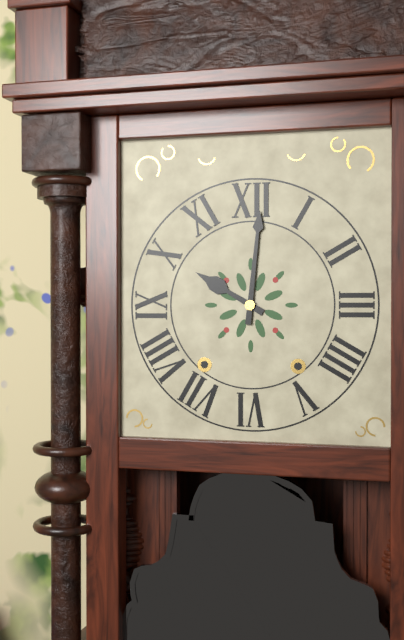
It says 10 h 01 min
